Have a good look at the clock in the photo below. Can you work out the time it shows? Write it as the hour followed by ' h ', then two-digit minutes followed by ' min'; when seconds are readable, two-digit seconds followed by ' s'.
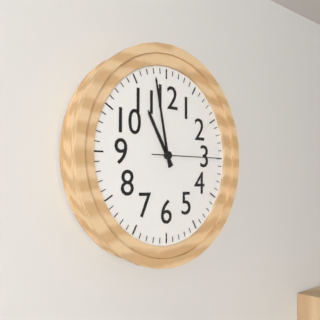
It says 10 h 58 min 15 s
